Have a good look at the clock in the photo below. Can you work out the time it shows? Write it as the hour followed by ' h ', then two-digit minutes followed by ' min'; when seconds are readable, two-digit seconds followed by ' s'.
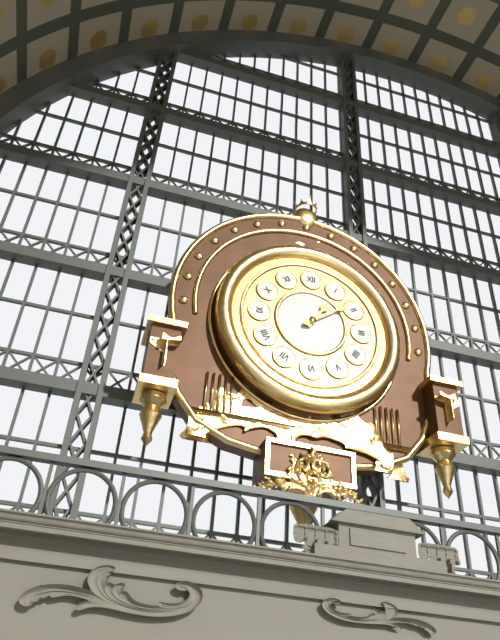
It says 1 h 09 min
